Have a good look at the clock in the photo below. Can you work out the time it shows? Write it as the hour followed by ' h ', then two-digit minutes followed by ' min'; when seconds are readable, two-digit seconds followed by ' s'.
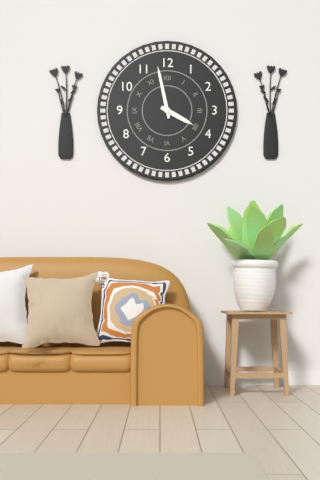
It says 3 h 58 min
